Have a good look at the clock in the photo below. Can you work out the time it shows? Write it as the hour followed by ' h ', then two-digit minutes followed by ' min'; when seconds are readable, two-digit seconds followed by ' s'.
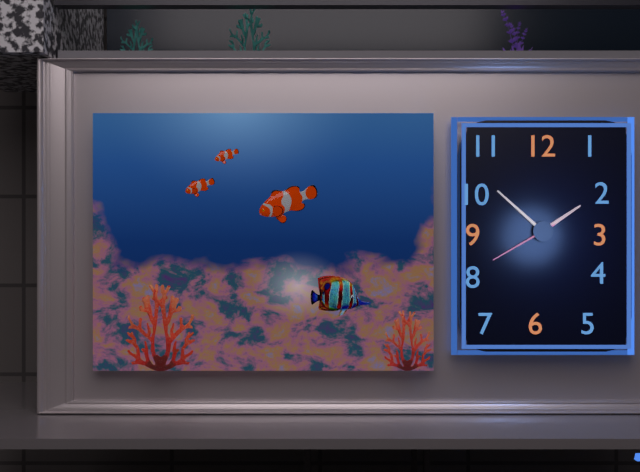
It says 1 h 52 min 40 s
